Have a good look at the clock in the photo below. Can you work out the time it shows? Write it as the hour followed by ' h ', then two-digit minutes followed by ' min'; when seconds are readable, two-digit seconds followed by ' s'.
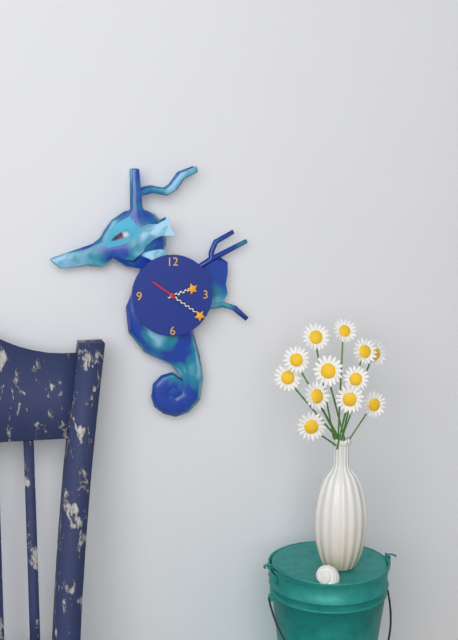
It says 2 h 21 min
